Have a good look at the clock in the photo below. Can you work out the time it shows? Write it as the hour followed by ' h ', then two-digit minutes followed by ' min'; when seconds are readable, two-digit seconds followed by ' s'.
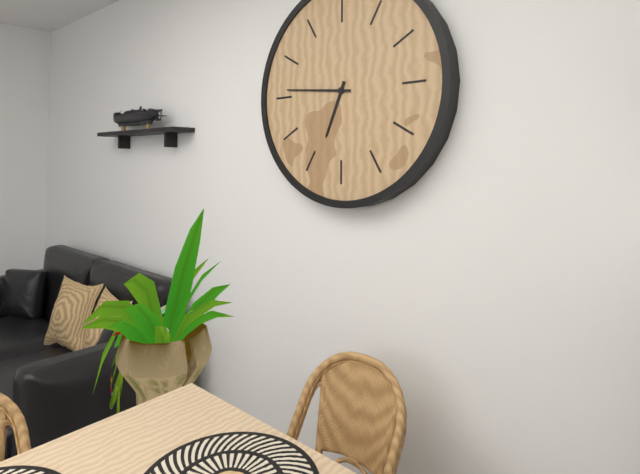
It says 6 h 46 min
